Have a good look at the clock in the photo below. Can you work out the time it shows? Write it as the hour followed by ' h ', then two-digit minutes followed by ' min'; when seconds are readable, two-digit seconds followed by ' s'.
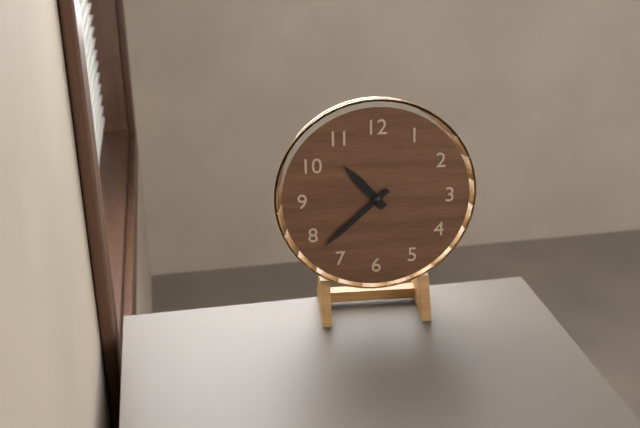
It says 10 h 38 min
